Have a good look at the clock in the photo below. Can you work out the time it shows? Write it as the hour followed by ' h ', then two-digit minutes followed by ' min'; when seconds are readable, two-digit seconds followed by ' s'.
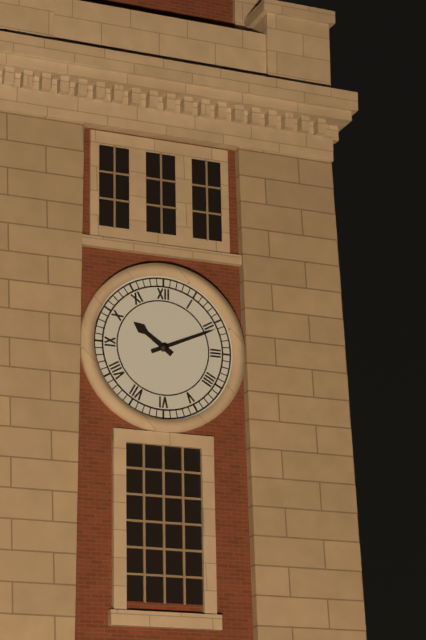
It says 10 h 11 min
